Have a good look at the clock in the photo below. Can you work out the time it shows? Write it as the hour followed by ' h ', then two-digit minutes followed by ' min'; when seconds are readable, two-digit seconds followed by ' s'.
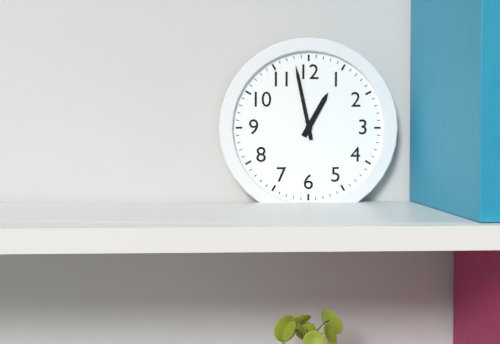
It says 12 h 58 min
